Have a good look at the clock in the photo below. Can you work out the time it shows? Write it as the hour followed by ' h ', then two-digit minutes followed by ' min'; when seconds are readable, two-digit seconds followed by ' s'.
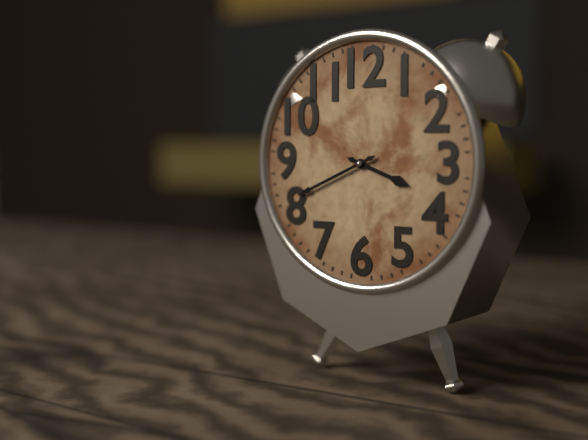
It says 3 h 41 min
